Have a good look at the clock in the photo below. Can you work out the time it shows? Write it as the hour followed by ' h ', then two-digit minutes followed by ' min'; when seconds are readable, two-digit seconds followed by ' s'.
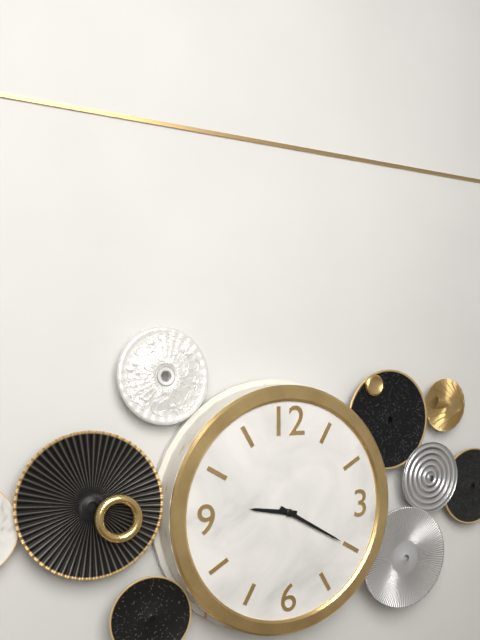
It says 9 h 20 min
